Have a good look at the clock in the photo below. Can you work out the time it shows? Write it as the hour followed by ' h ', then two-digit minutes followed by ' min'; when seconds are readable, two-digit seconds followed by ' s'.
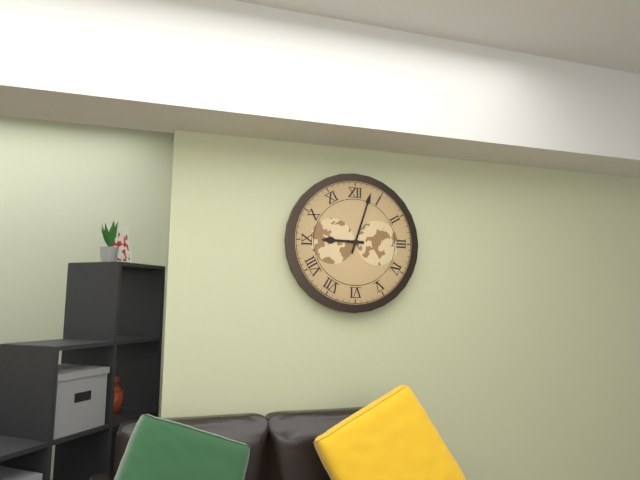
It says 9 h 03 min
